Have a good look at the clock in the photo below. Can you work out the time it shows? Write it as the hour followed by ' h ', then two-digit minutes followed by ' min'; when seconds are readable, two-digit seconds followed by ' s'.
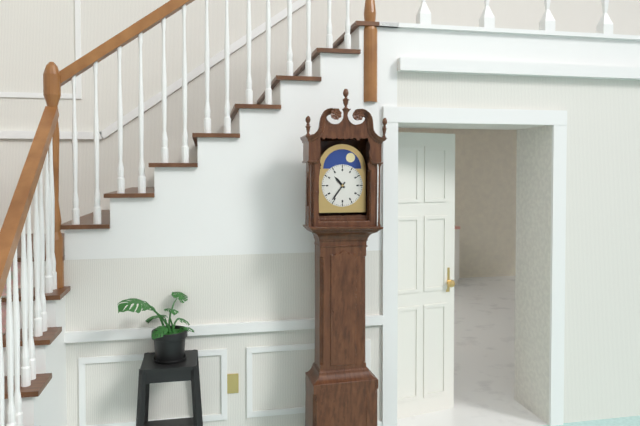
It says 10 h 36 min
